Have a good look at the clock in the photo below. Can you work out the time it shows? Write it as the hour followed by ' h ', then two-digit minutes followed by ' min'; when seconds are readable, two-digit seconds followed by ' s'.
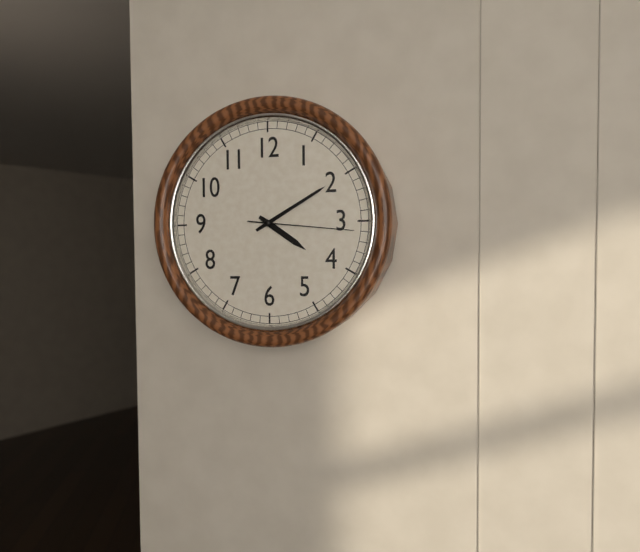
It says 4 h 10 min 16 s
